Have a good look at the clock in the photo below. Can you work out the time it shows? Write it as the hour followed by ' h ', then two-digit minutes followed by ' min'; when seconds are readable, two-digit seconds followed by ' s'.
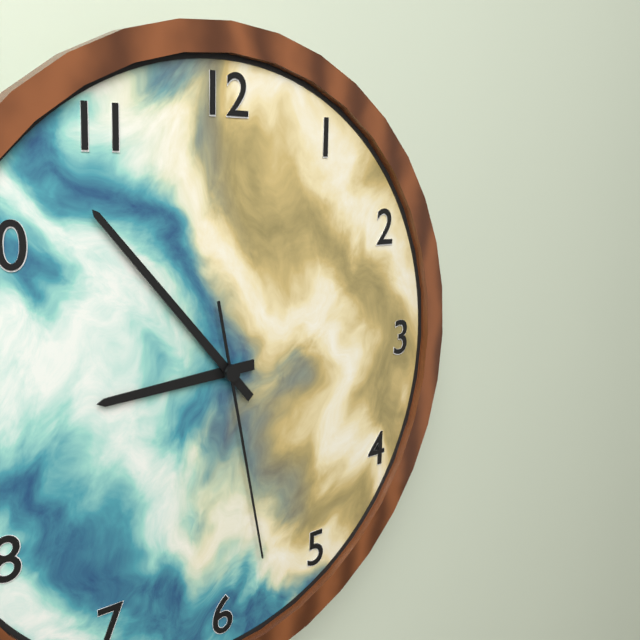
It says 8 h 53 min 28 s
